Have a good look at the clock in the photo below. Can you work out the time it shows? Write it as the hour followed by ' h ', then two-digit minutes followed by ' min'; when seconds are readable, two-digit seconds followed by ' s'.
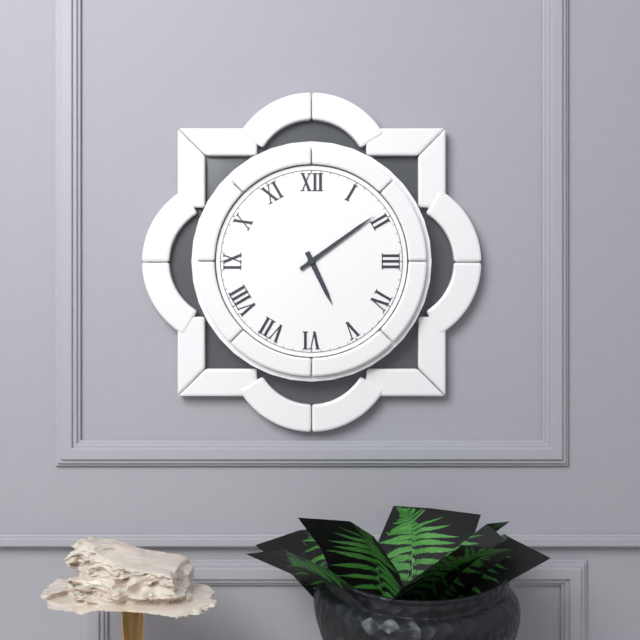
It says 5 h 09 min
